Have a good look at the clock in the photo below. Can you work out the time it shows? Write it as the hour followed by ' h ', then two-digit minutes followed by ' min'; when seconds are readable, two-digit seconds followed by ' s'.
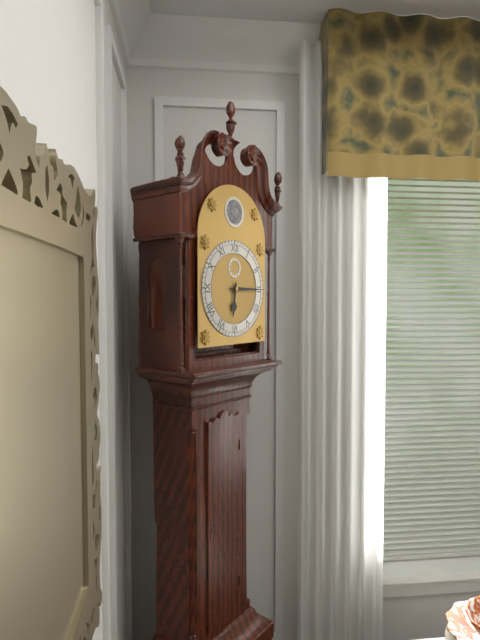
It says 6 h 15 min
